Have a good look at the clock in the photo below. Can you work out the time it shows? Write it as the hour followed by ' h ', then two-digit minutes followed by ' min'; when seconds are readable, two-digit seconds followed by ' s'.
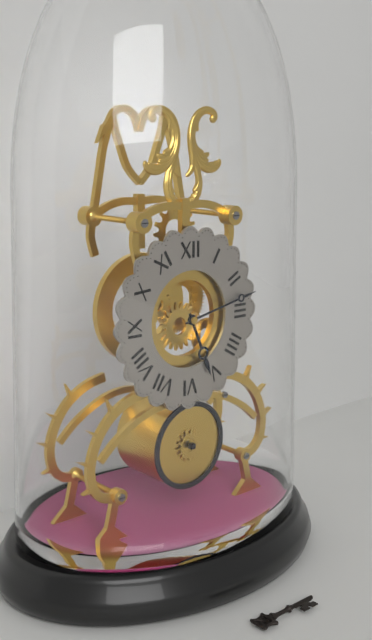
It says 5 h 13 min
